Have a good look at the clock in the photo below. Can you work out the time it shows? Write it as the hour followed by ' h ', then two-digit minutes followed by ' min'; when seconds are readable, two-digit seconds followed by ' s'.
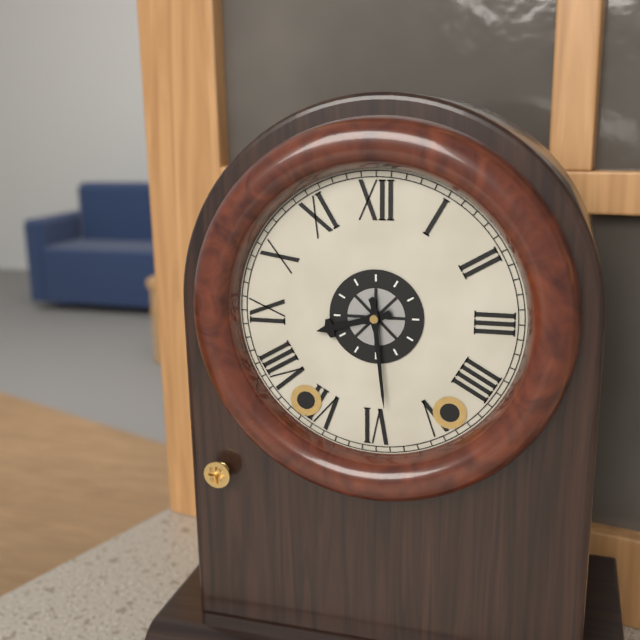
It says 8 h 29 min
